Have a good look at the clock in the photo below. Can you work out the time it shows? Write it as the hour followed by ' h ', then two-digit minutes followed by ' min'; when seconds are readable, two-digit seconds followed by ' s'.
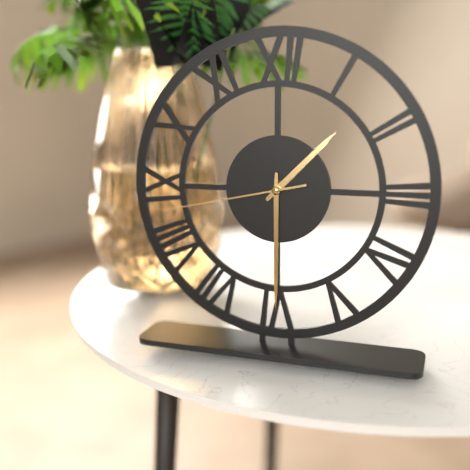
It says 1 h 30 min 43 s
